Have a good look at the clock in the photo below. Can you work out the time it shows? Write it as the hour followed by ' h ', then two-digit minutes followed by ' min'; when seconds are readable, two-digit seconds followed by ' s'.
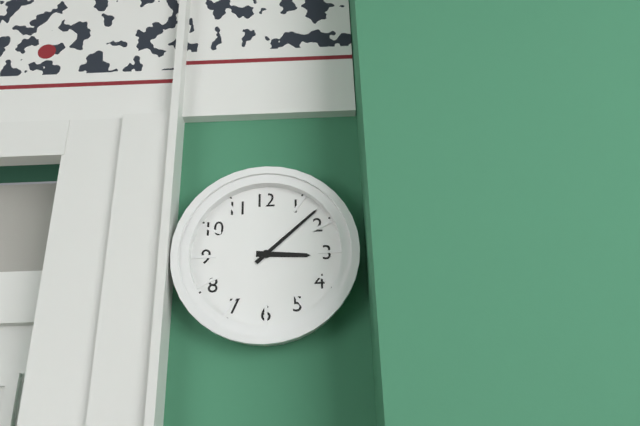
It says 3 h 08 min
